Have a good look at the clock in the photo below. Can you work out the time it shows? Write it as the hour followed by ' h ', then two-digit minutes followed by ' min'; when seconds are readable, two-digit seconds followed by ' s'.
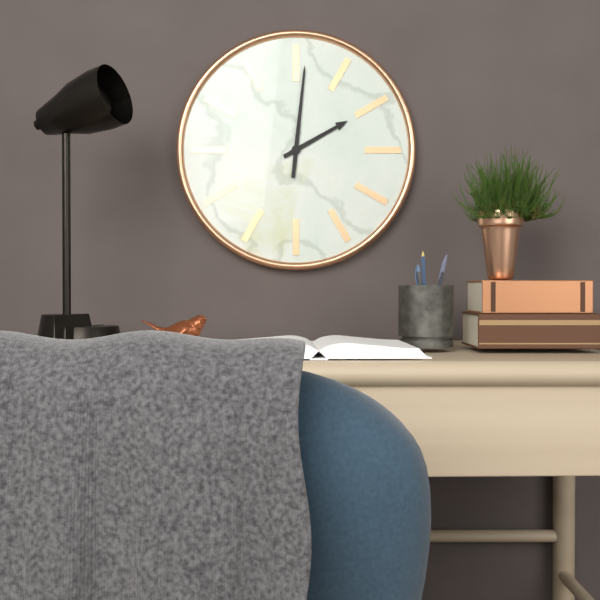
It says 2 h 01 min
